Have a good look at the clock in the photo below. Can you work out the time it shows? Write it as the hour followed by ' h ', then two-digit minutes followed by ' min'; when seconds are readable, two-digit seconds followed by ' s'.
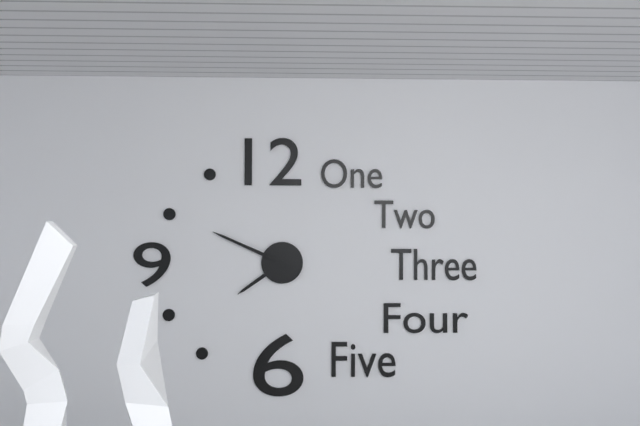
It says 7 h 49 min
